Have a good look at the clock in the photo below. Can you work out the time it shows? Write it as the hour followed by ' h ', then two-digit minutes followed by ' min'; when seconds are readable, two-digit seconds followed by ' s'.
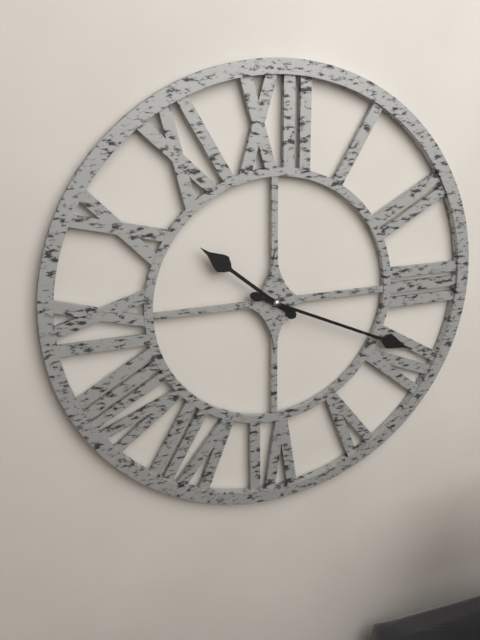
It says 10 h 19 min
